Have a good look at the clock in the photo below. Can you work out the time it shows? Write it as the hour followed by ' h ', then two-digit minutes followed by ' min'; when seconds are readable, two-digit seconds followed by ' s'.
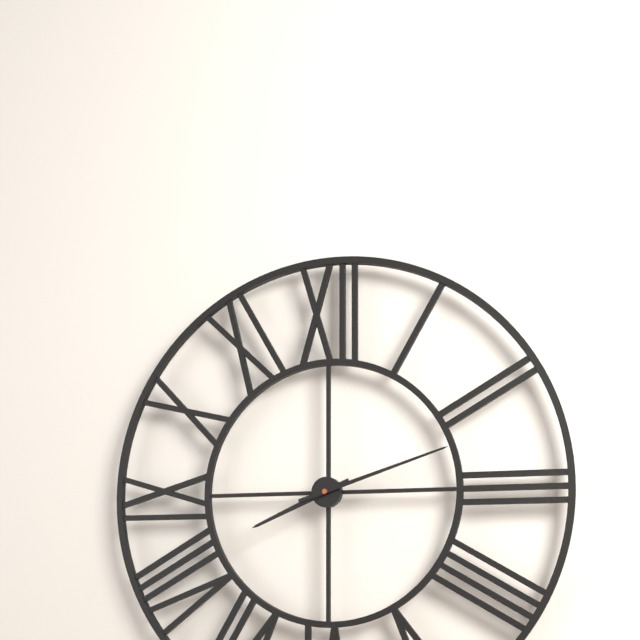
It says 8 h 12 min
